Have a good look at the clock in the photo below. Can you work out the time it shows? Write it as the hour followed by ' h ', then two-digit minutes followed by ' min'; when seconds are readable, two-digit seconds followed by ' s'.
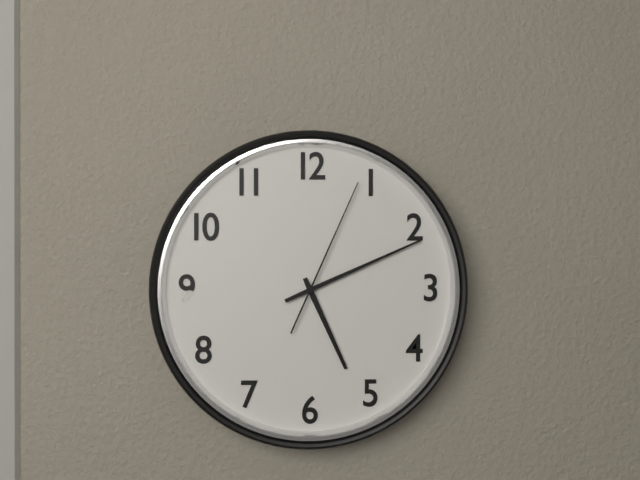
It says 5 h 11 min 04 s
